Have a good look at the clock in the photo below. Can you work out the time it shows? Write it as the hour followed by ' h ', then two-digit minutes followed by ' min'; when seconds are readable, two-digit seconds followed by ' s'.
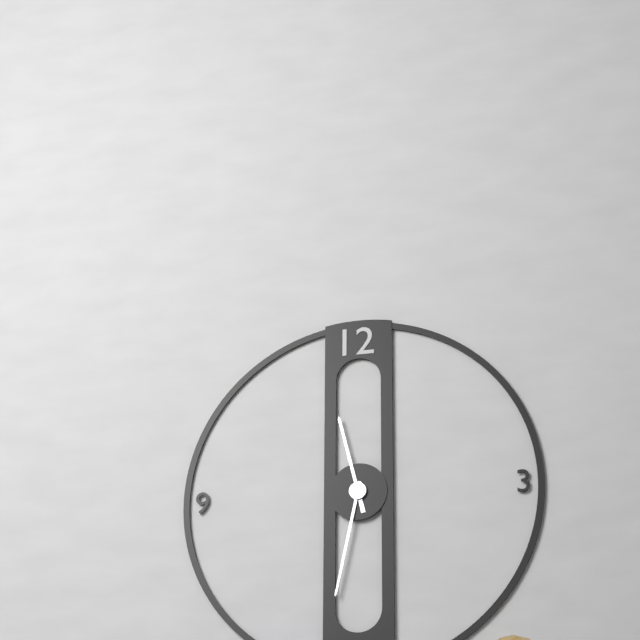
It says 11 h 32 min
